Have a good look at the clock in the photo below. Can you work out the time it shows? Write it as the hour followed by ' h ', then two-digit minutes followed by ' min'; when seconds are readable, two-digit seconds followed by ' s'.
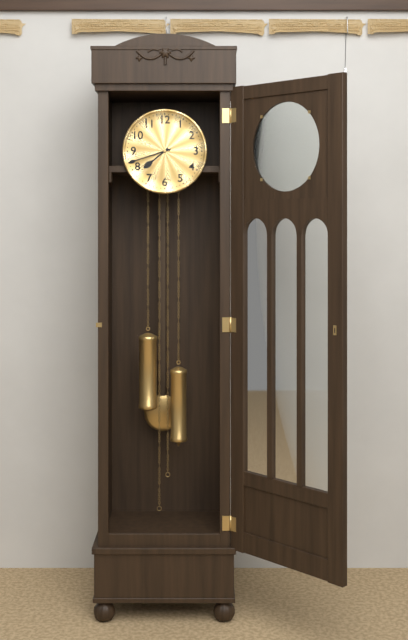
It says 7 h 42 min
